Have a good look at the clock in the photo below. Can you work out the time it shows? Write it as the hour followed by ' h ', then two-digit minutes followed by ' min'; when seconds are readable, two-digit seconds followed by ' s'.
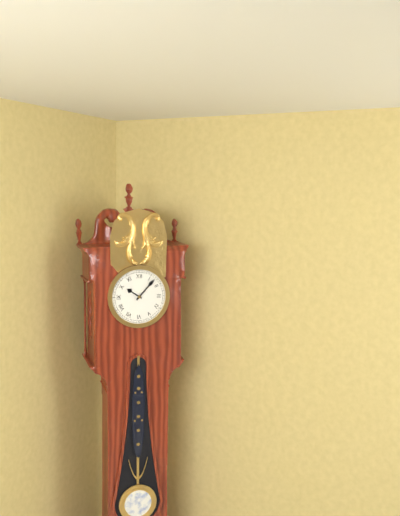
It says 10 h 07 min
